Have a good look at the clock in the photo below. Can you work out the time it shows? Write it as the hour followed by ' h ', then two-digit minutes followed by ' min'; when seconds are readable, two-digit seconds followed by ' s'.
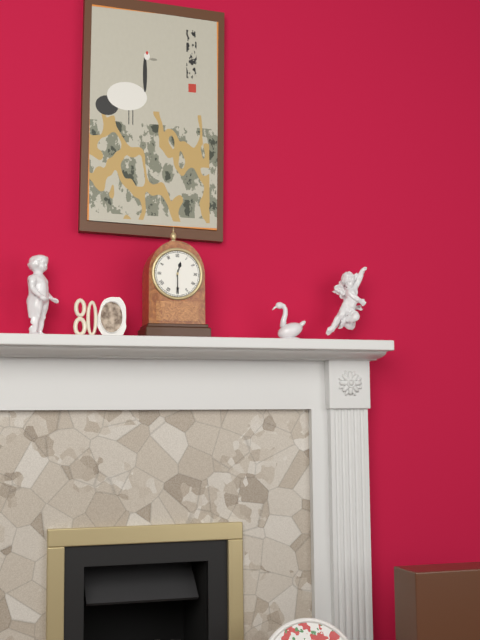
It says 12 h 30 min
